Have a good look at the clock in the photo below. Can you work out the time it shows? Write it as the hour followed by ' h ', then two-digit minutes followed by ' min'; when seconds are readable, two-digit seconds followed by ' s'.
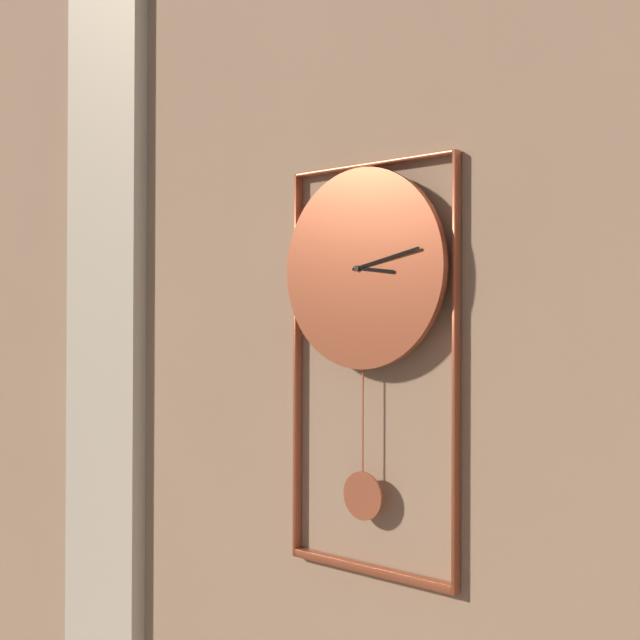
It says 3 h 13 min
